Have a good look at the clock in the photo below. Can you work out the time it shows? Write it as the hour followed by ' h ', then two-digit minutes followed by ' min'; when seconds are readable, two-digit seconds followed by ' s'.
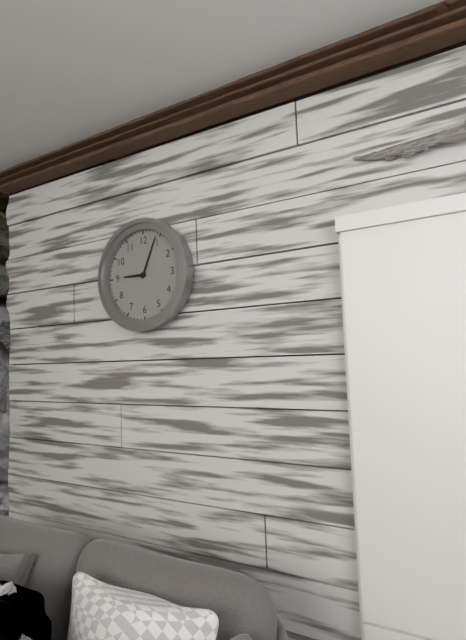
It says 9 h 04 min
